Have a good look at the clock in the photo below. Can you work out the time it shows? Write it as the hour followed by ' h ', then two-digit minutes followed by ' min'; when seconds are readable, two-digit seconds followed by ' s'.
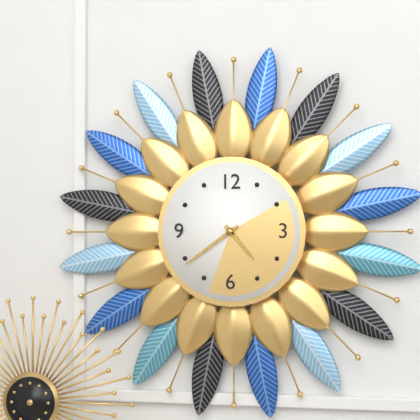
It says 4 h 39 min
